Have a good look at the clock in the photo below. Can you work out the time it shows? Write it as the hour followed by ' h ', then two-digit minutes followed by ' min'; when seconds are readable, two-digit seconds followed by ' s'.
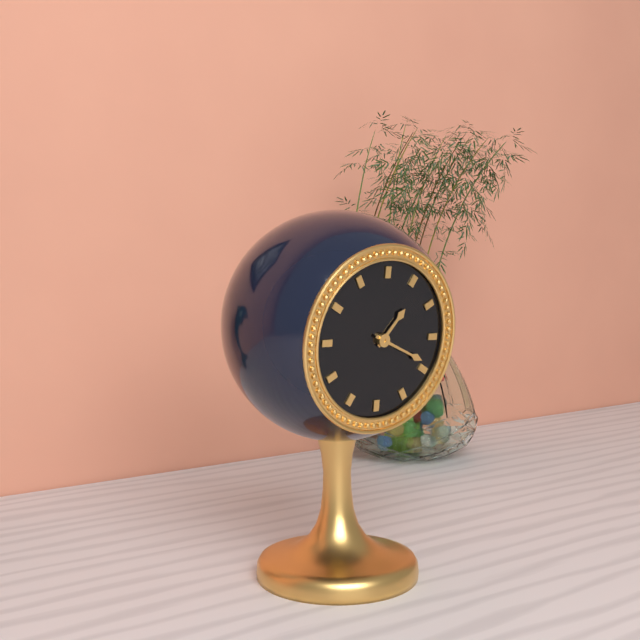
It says 1 h 19 min
